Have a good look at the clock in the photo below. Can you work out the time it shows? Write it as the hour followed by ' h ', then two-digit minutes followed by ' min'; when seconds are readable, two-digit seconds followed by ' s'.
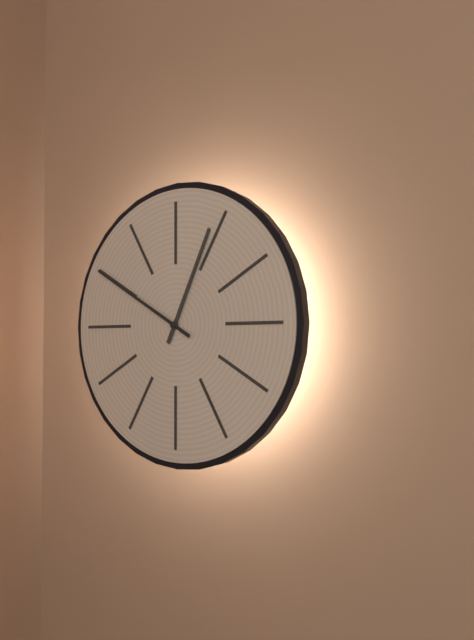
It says 12 h 50 min
